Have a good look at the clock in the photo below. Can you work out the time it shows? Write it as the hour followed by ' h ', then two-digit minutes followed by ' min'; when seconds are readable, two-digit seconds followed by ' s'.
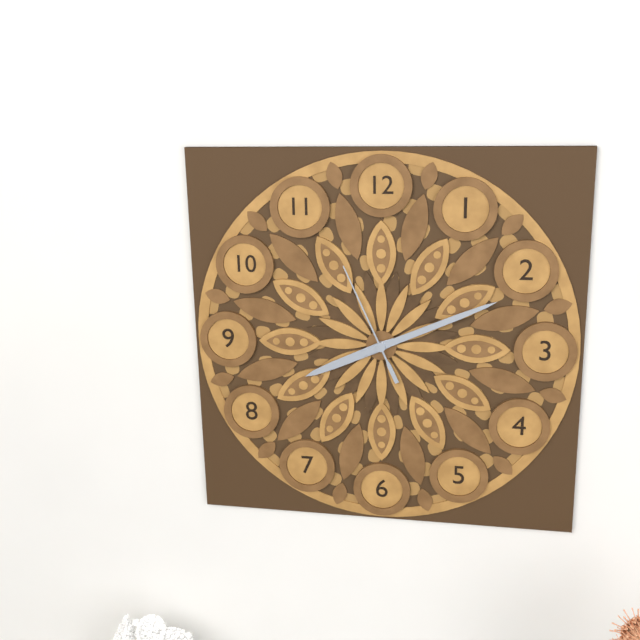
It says 8 h 11 min 56 s
